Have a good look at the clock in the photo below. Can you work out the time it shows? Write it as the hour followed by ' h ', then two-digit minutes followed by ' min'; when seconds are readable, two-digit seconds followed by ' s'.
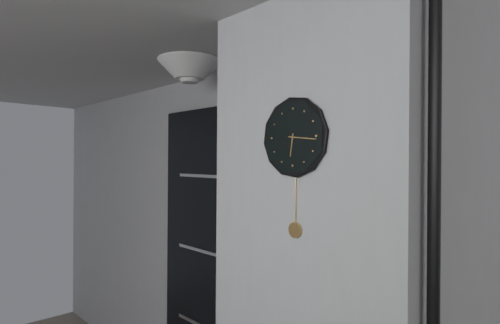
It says 6 h 16 min
